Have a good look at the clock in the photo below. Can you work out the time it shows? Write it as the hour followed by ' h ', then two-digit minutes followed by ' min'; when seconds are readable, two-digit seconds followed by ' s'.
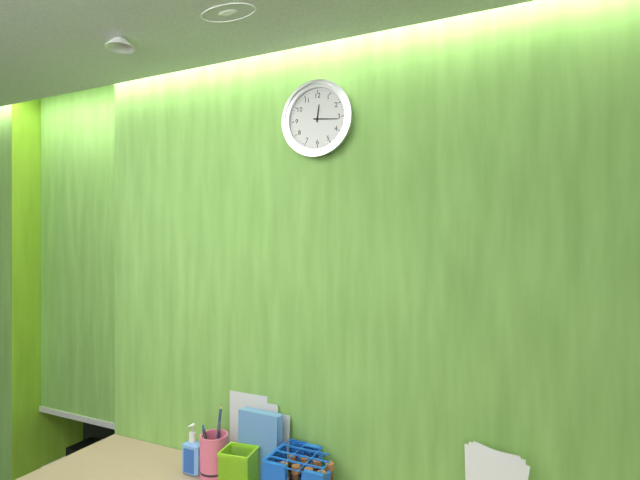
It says 12 h 16 min
